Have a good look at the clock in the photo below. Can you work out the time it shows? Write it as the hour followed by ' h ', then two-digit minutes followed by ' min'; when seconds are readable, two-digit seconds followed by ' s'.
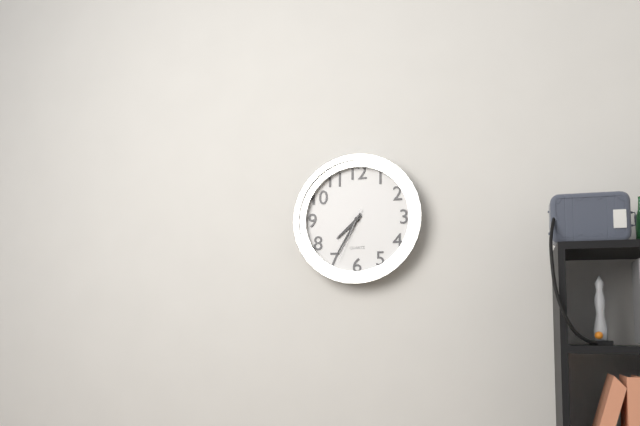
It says 7 h 35 min 34 s
